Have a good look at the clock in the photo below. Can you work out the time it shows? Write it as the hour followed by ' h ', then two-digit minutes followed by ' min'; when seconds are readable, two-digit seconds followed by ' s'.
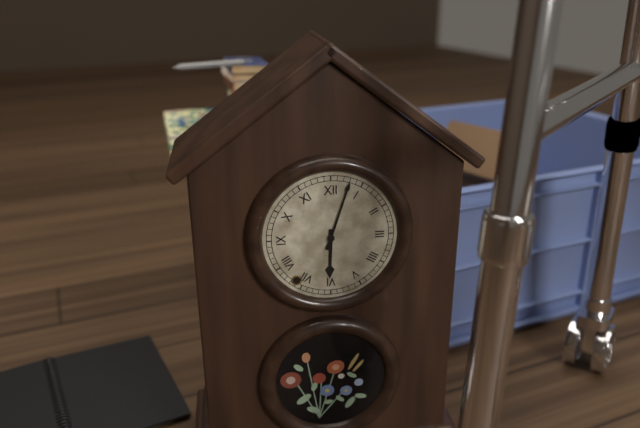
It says 6 h 03 min
